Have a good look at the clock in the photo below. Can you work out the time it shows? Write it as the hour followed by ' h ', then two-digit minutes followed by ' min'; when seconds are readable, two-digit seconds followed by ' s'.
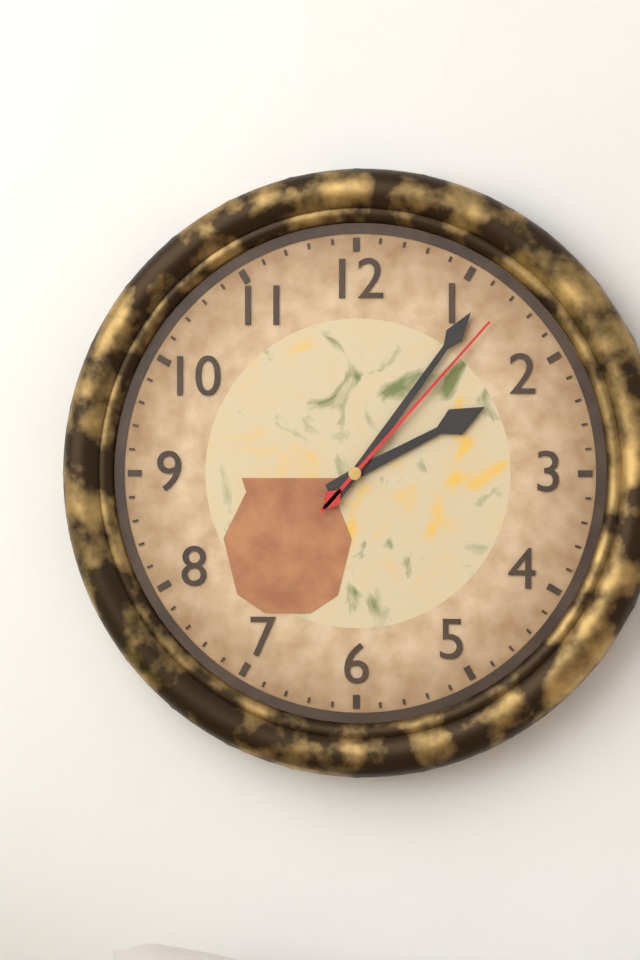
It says 2 h 06 min 07 s
